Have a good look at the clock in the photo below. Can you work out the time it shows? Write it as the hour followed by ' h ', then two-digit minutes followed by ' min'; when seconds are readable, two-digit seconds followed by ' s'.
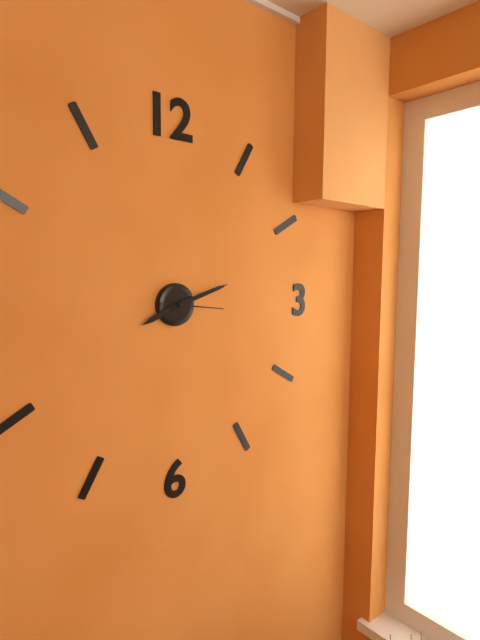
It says 8 h 12 min 16 s
